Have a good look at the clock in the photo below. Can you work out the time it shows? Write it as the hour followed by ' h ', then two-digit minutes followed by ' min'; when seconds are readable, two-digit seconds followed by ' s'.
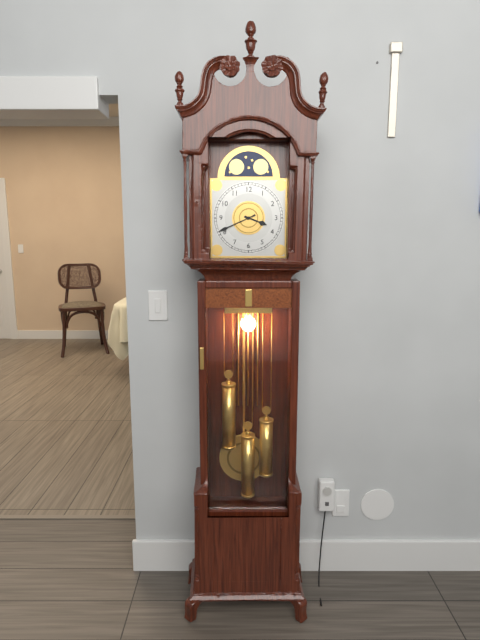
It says 3 h 41 min
